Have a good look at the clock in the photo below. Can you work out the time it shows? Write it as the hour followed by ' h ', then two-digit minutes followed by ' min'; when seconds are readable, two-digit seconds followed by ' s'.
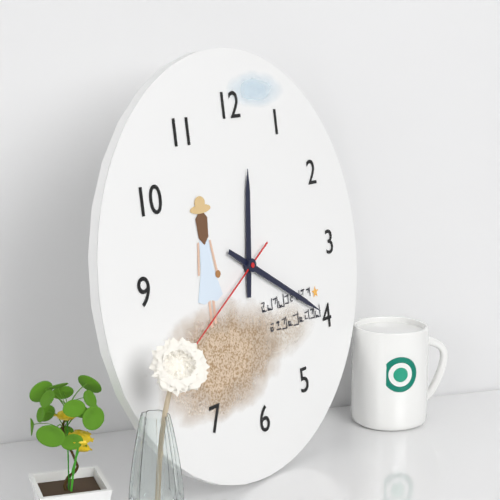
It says 12 h 20 min 40 s
